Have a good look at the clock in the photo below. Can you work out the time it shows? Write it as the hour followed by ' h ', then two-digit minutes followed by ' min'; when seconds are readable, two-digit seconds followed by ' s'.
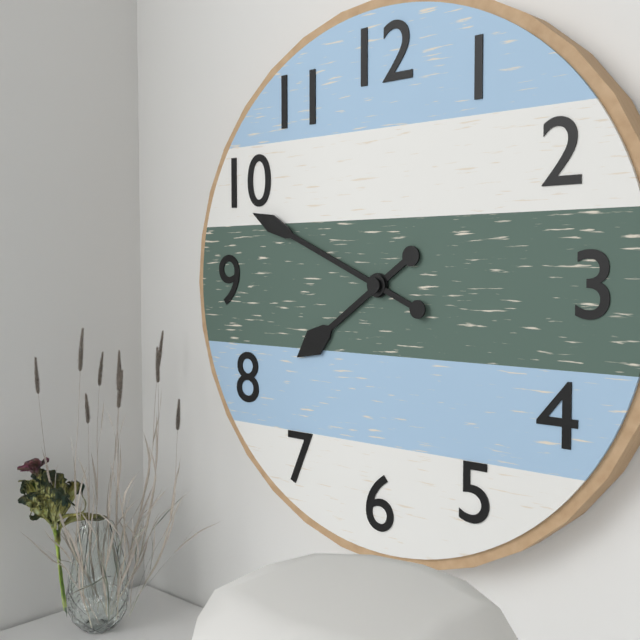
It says 7 h 49 min
